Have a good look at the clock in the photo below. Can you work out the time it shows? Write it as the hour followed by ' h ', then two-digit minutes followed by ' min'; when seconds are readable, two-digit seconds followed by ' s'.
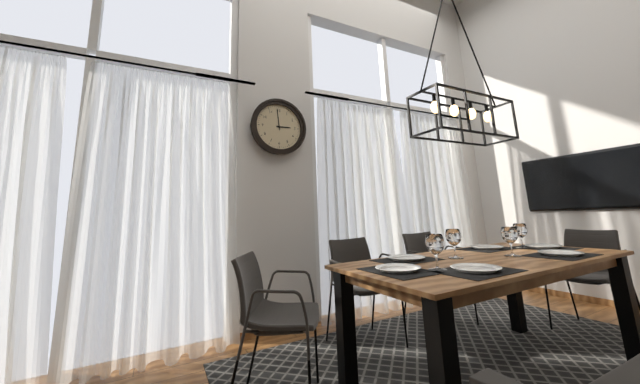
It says 2 h 59 min
